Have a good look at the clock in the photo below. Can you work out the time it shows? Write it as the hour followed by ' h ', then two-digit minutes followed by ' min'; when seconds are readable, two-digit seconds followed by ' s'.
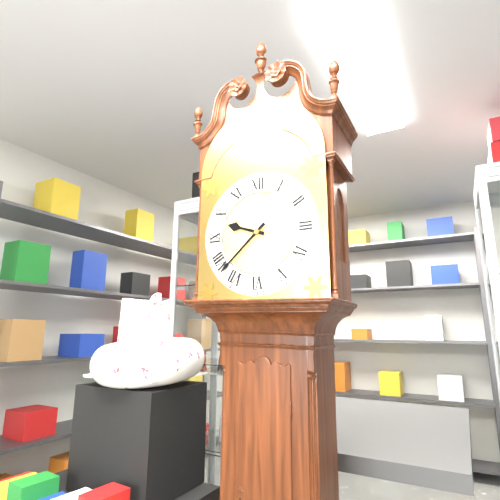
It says 9 h 38 min
